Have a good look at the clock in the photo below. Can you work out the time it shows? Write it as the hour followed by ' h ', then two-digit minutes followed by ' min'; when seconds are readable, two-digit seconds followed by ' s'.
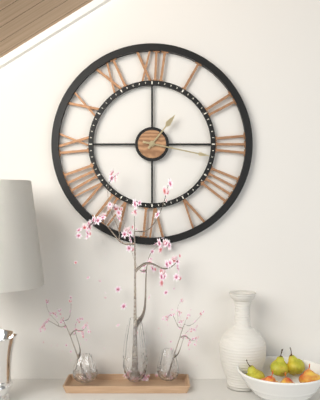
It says 1 h 17 min
